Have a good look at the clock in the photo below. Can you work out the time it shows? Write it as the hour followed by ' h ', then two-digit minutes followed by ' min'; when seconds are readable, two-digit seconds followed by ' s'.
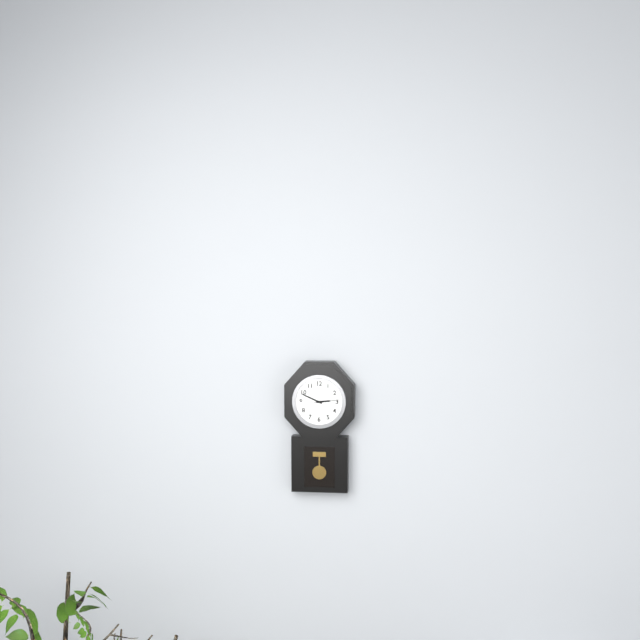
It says 2 h 49 min
